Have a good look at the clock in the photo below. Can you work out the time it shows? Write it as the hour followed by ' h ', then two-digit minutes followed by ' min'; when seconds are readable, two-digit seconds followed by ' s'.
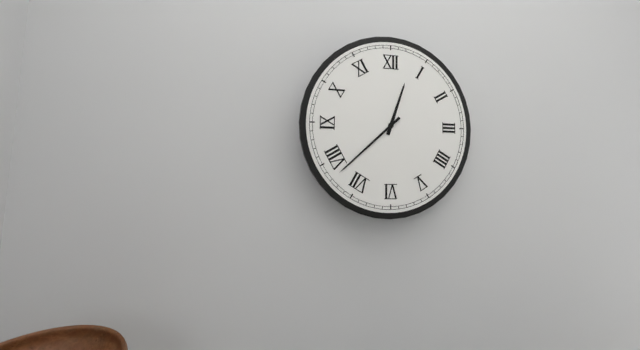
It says 12 h 38 min
